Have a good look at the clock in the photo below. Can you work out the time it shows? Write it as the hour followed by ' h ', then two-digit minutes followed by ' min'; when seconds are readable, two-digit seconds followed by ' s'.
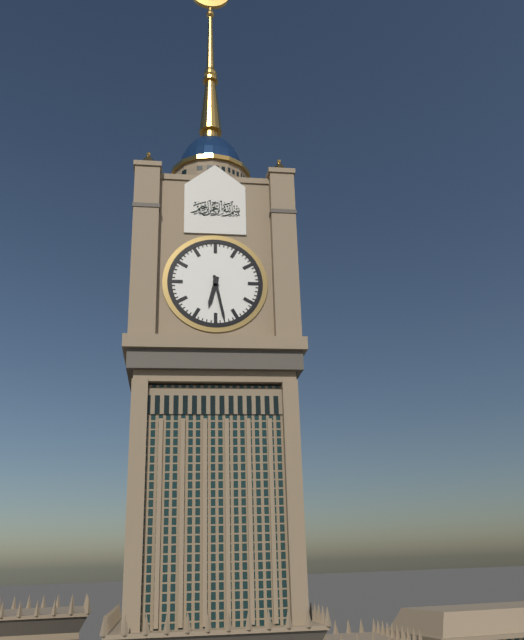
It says 6 h 28 min
